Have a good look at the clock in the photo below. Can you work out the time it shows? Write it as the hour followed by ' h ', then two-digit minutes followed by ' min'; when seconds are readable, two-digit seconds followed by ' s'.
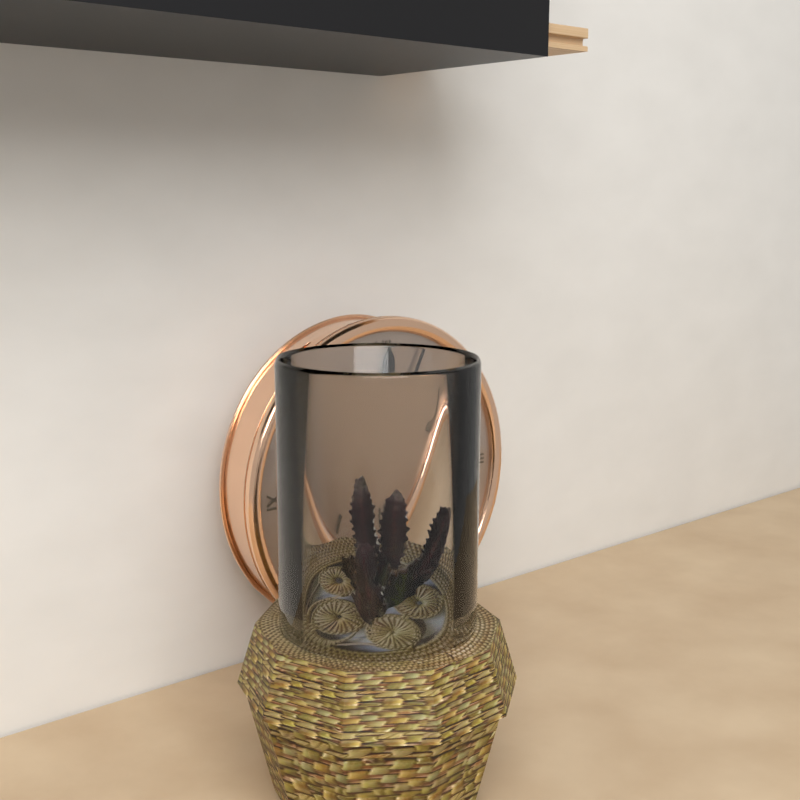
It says 12 h 05 min
